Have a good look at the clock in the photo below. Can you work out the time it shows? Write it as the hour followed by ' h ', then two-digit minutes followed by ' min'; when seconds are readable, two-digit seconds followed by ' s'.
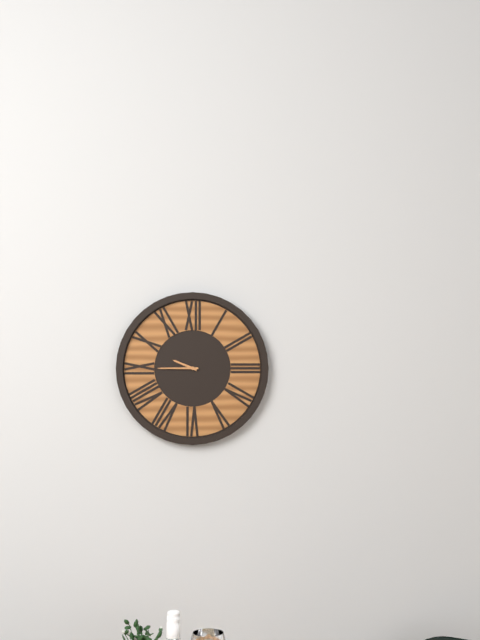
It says 9 h 45 min
